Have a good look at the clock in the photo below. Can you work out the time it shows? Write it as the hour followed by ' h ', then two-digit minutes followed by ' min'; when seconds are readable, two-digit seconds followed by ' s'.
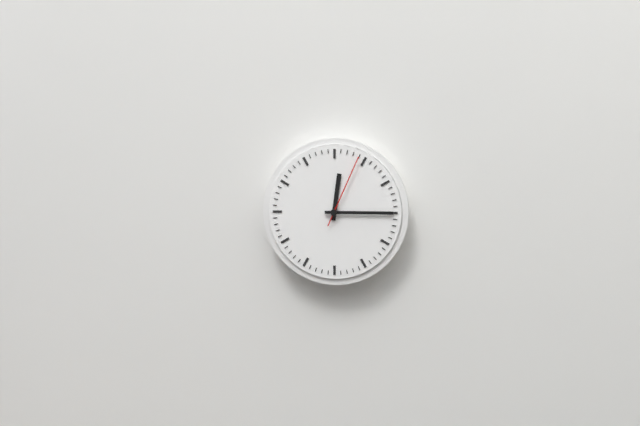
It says 12 h 15 min 04 s
